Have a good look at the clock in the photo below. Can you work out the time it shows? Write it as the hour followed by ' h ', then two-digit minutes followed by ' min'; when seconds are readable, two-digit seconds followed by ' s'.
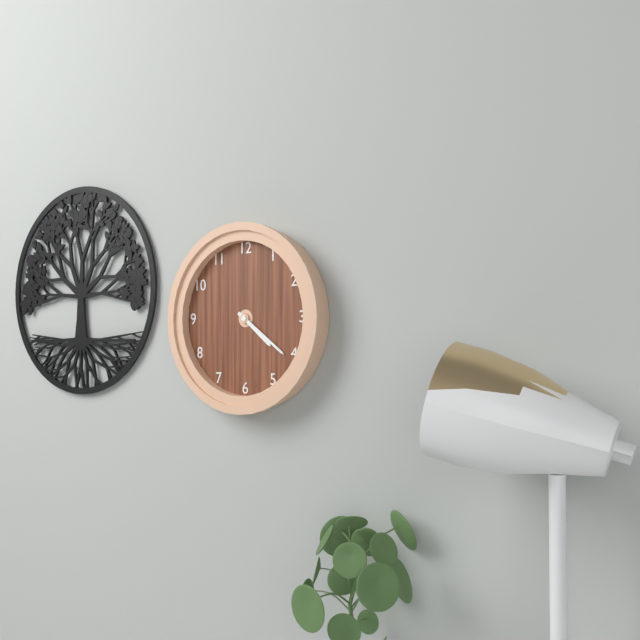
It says 4 h 21 min
